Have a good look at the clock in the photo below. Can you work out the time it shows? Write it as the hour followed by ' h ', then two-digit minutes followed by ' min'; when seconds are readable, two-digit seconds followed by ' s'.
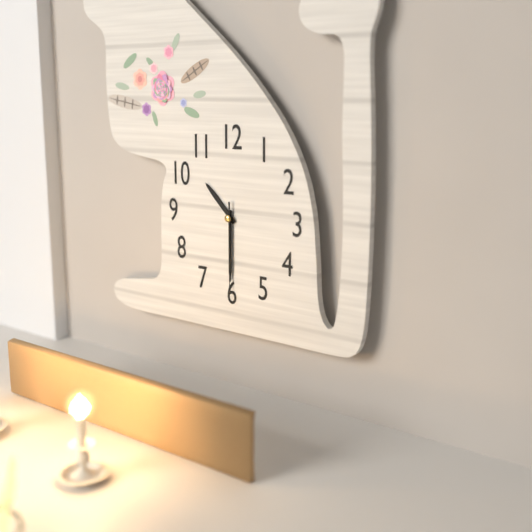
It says 10 h 30 min 30 s
